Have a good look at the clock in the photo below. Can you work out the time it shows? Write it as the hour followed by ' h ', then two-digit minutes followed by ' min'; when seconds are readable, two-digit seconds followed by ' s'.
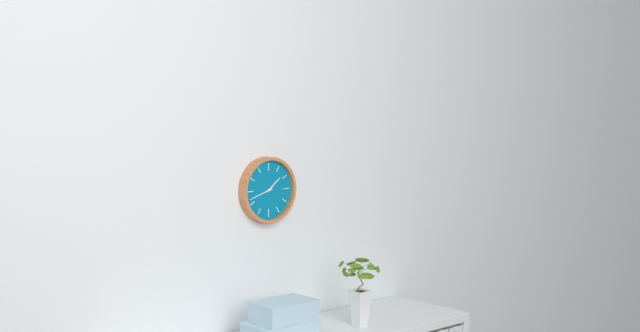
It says 1 h 42 min
